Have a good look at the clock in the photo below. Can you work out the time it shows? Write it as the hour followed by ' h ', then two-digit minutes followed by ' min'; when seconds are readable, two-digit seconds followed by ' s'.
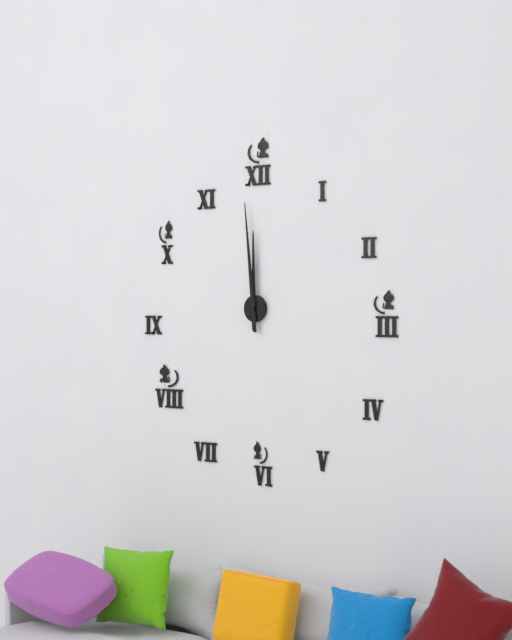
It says 11 h 59 min
